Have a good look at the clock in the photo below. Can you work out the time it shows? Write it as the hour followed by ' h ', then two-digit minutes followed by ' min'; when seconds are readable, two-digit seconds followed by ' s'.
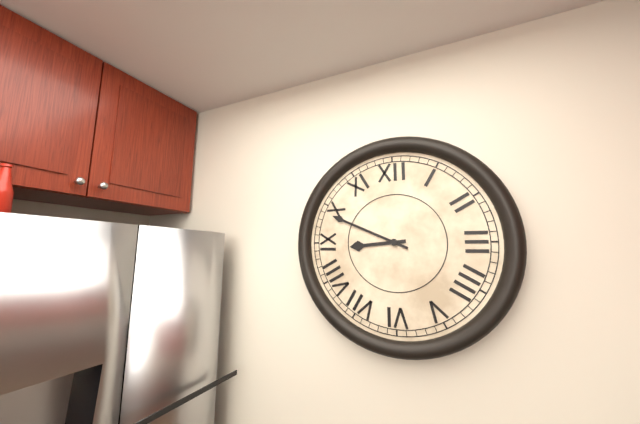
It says 8 h 49 min
